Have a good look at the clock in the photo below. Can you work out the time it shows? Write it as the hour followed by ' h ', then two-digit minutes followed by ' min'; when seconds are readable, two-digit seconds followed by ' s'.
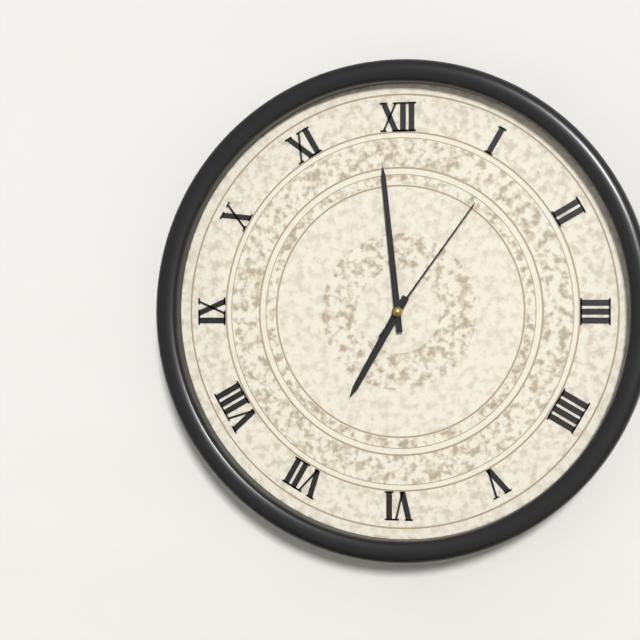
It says 6 h 59 min 06 s
